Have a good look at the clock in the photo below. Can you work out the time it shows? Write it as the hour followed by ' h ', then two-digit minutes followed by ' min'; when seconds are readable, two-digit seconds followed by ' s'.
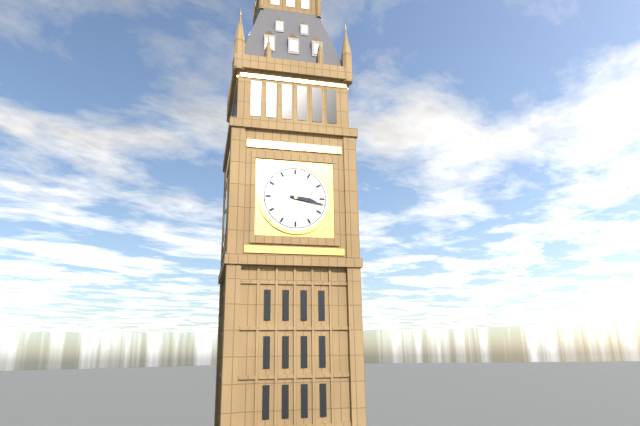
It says 3 h 17 min
